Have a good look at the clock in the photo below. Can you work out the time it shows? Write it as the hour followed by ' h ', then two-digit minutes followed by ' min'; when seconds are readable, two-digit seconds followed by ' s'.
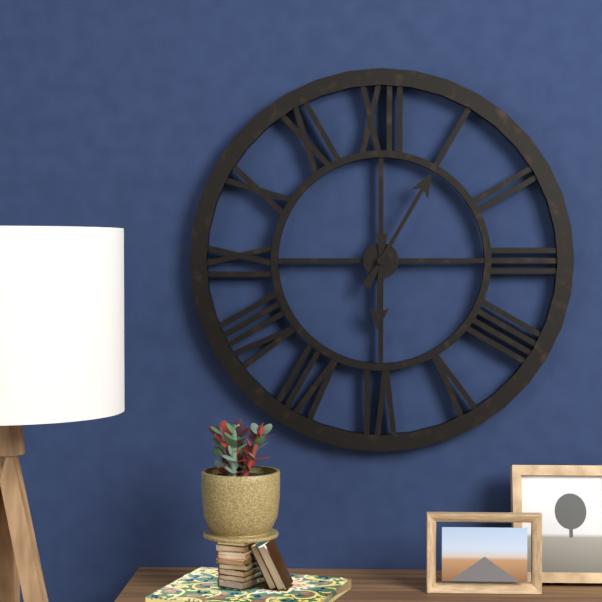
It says 6 h 05 min
